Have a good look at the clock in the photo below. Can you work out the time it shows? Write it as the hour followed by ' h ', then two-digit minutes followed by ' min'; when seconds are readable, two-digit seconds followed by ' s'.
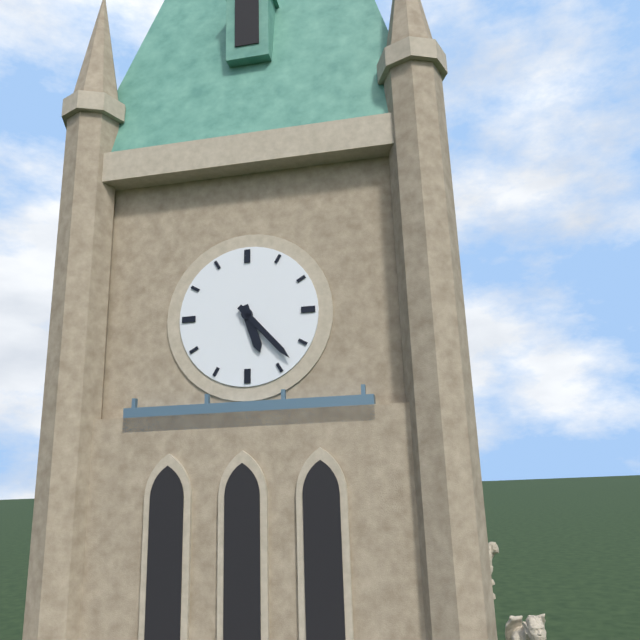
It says 5 h 23 min
